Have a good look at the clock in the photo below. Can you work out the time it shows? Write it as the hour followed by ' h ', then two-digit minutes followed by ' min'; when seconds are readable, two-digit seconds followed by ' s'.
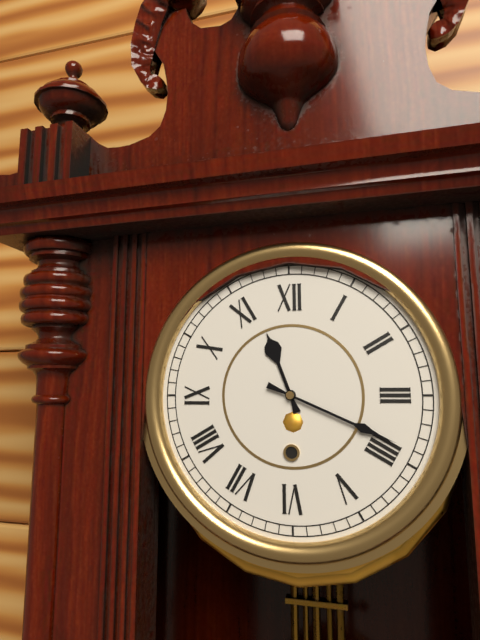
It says 11 h 19 min
